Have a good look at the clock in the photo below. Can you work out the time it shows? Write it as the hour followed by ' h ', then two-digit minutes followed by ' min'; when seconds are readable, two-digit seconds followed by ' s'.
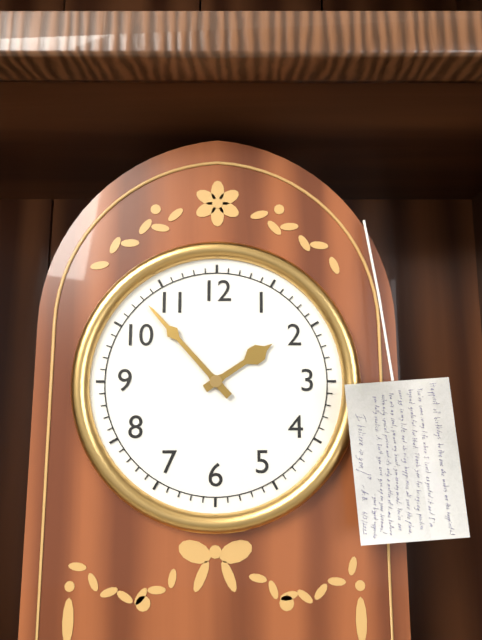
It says 1 h 53 min
